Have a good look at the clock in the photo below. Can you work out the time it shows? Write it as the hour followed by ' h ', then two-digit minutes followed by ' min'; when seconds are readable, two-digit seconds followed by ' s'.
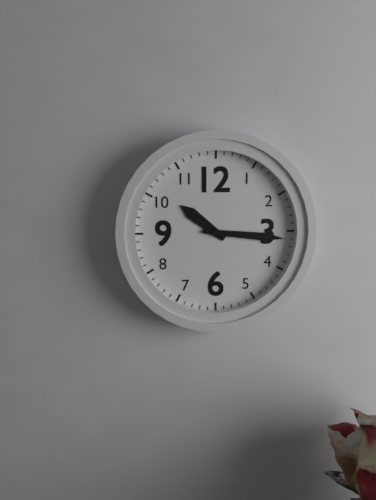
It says 10 h 16 min
